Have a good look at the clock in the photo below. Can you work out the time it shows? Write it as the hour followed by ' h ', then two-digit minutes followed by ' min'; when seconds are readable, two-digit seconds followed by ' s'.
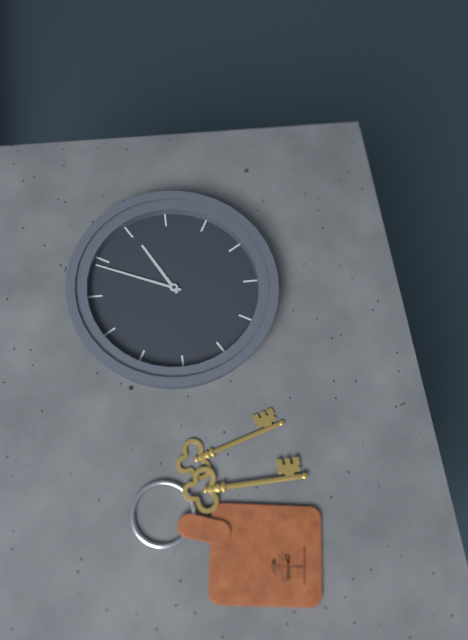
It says 2 h 04 min
